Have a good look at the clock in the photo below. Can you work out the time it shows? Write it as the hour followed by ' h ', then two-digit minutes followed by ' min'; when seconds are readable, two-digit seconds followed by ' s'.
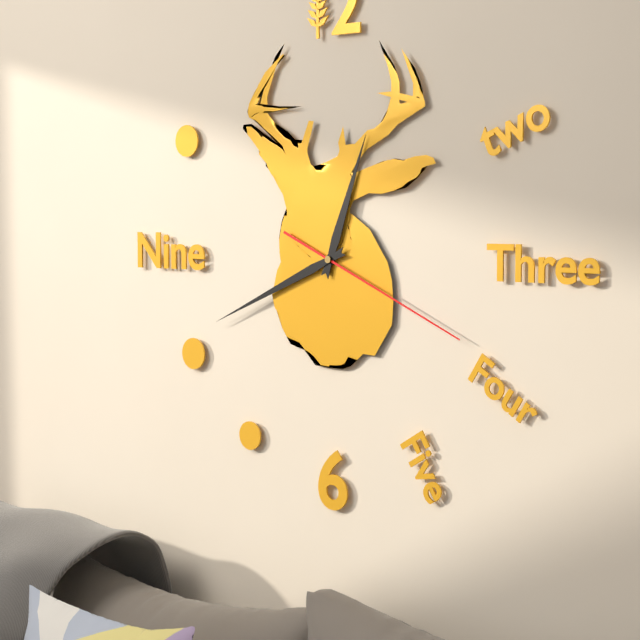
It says 12 h 41 min 19 s
